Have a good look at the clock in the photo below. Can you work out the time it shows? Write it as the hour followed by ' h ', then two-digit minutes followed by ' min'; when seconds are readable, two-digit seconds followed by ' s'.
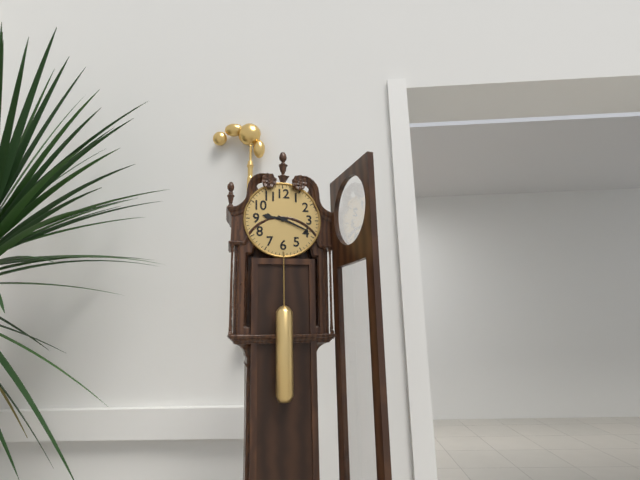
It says 9 h 19 min
